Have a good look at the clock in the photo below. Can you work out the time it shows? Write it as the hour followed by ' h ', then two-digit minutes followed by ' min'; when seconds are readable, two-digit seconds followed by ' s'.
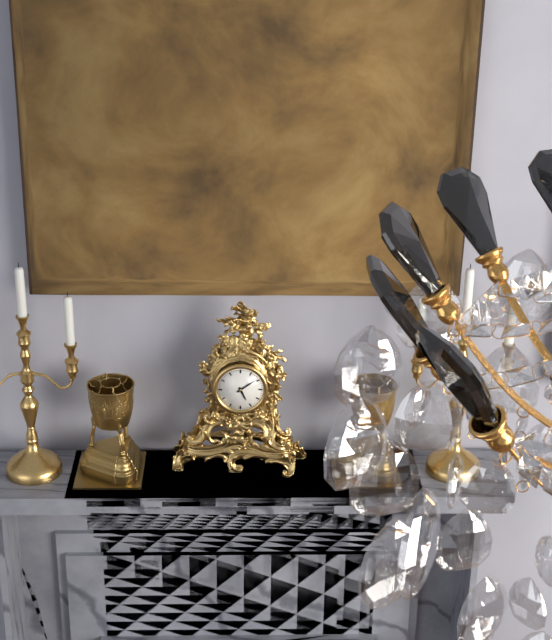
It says 5 h 09 min
